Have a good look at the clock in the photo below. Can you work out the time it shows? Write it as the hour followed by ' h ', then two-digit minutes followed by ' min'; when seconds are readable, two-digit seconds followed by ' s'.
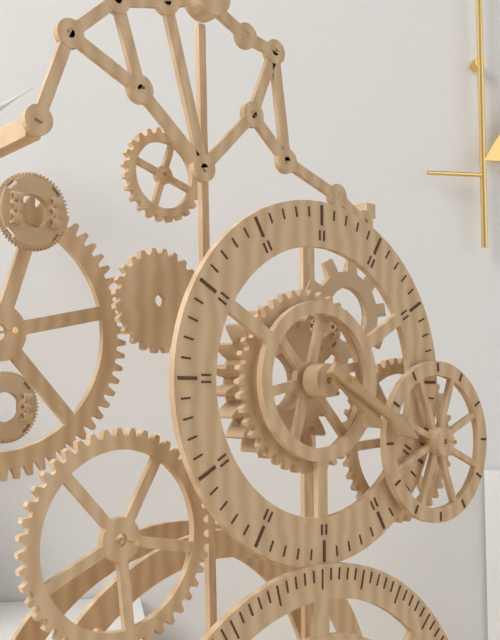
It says 4 h 20 min
